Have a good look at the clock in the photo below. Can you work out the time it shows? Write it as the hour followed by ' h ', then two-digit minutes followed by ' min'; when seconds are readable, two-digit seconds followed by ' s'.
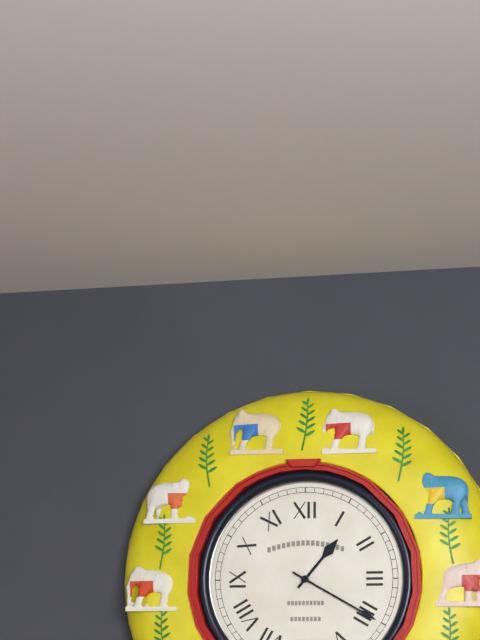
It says 1 h 20 min
